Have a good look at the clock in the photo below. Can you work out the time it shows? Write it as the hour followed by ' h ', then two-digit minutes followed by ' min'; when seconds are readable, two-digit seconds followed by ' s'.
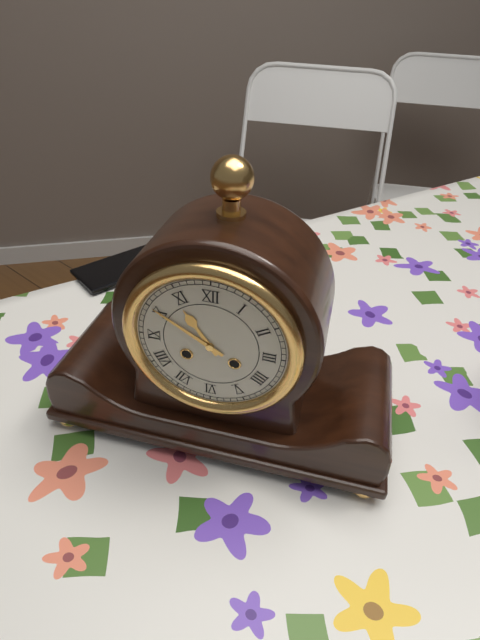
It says 10 h 50 min
